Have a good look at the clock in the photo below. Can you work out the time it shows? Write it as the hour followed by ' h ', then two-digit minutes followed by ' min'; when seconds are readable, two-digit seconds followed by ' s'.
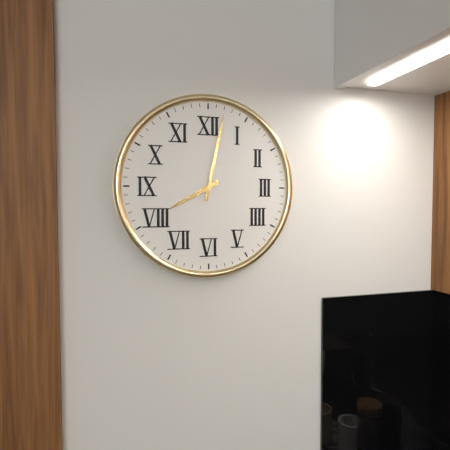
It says 8 h 02 min
